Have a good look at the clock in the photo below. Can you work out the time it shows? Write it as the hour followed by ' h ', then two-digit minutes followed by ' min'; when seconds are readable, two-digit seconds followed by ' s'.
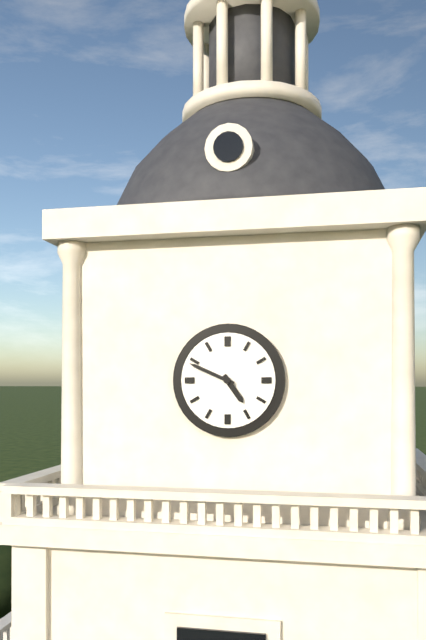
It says 4 h 49 min
